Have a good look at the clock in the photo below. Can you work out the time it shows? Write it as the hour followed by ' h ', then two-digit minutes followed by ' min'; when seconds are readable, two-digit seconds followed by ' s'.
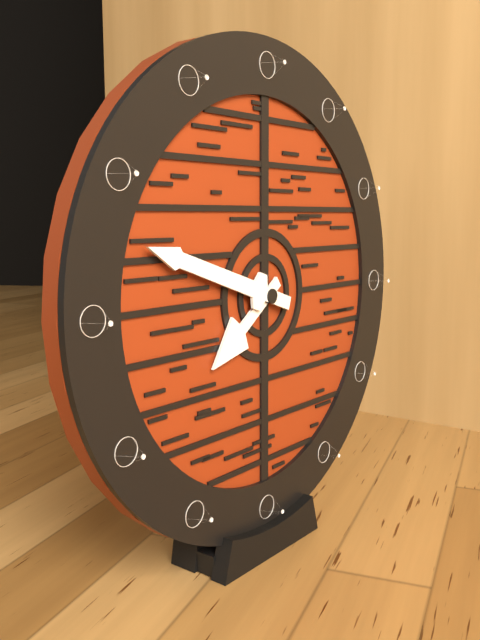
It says 7 h 48 min
